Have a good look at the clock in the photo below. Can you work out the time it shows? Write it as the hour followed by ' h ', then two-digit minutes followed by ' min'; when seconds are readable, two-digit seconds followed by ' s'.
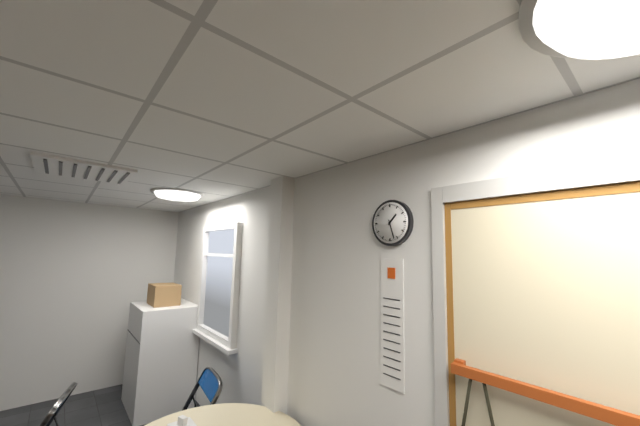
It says 1 h 27 min
